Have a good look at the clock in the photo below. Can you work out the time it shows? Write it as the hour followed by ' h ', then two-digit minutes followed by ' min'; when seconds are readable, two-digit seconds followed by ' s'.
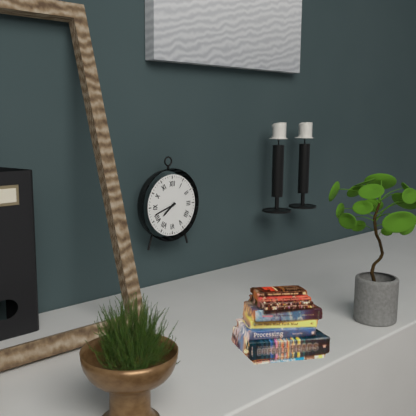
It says 7 h 42 min
